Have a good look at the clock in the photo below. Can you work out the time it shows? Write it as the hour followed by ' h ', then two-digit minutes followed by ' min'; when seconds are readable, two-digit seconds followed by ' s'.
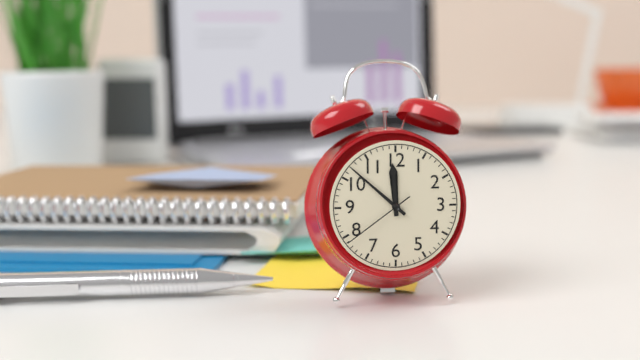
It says 11 h 52 min 39 s
